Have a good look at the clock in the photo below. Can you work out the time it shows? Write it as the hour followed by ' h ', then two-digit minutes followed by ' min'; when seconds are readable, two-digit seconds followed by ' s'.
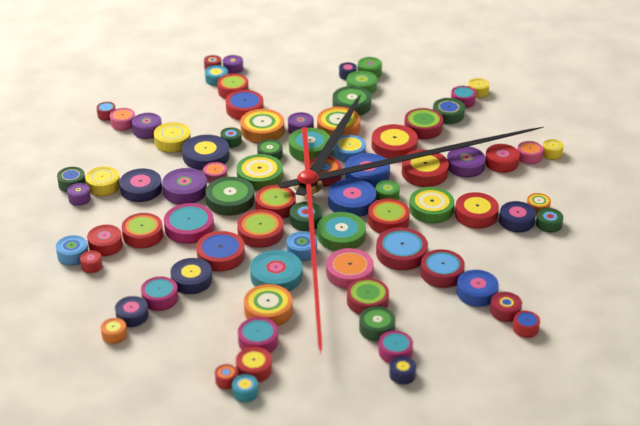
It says 12 h 09 min 27 s
